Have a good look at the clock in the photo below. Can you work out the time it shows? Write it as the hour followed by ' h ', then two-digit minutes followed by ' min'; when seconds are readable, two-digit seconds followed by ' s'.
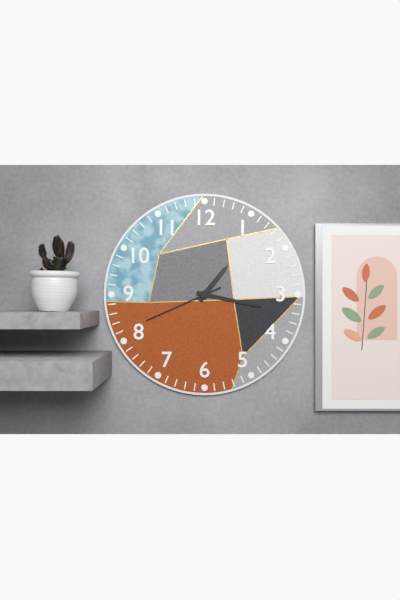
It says 1 h 17 min 41 s
